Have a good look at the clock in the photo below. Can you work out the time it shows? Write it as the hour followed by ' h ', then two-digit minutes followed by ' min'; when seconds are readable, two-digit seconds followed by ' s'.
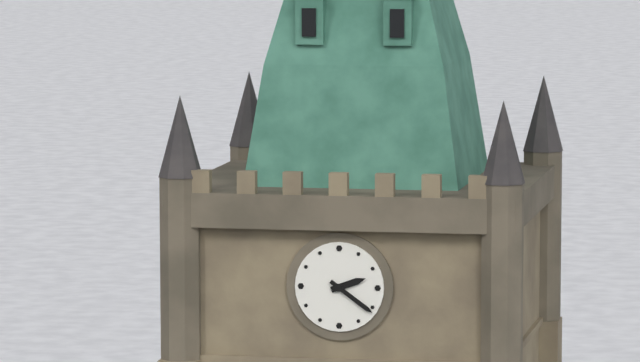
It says 2 h 21 min
